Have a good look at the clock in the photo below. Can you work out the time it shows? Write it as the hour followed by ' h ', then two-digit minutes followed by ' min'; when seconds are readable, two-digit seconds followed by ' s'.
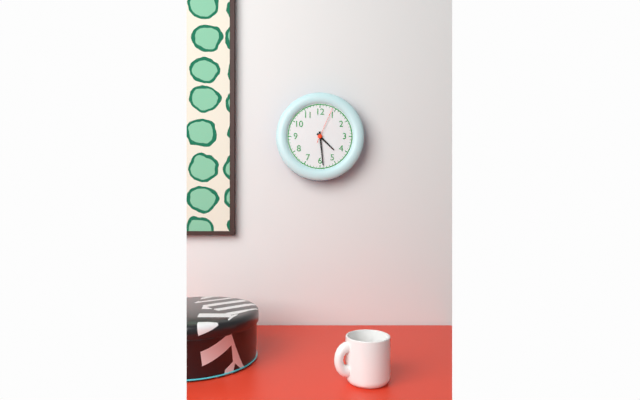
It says 4 h 29 min
